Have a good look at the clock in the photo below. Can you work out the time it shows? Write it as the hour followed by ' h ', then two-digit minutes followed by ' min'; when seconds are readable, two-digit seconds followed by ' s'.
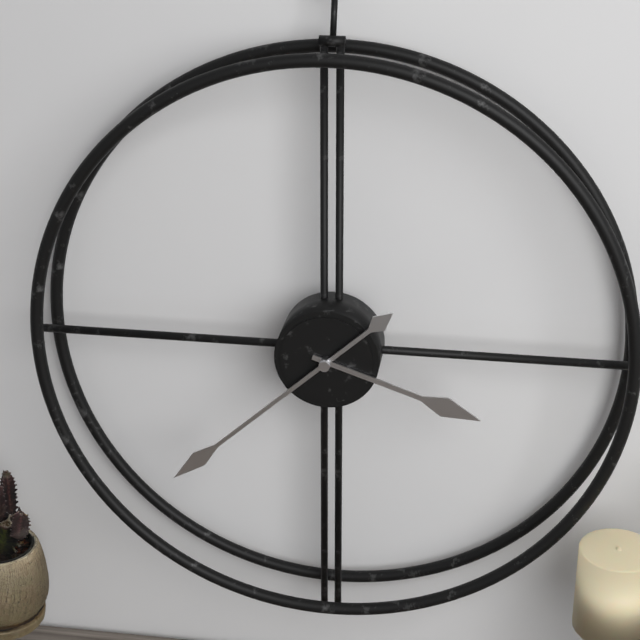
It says 3 h 38 min
